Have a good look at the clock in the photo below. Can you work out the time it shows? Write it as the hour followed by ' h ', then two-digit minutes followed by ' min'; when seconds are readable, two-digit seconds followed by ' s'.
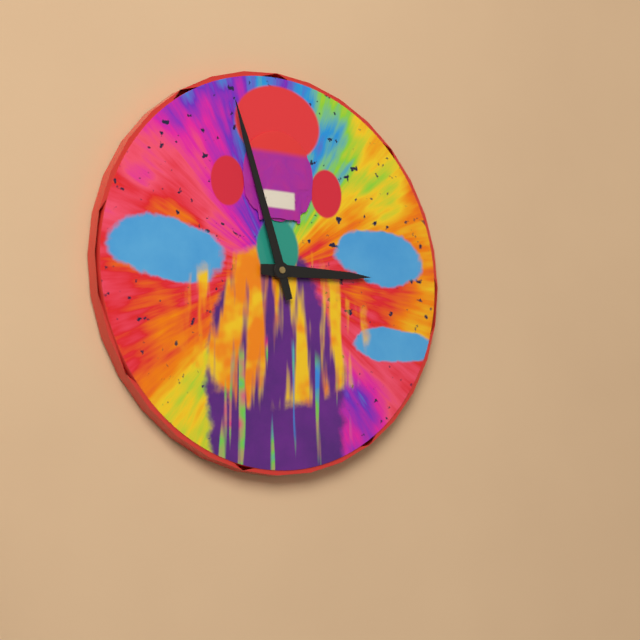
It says 2 h 57 min
